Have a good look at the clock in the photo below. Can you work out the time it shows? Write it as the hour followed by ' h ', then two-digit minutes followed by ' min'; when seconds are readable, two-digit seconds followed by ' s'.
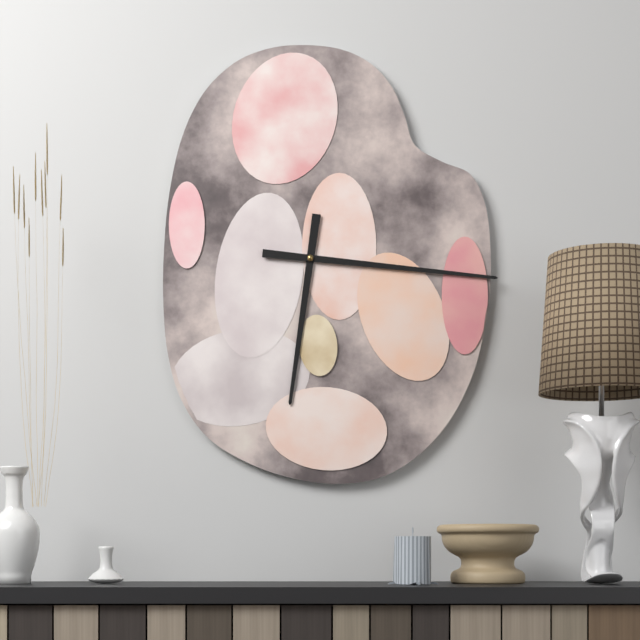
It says 6 h 16 min
